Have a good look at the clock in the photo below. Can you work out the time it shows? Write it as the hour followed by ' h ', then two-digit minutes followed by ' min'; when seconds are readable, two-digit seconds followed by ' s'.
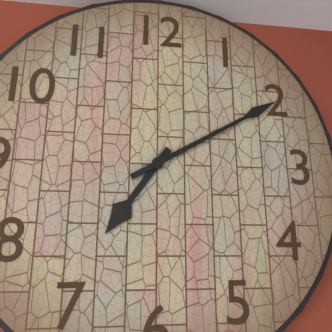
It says 7 h 10 min
